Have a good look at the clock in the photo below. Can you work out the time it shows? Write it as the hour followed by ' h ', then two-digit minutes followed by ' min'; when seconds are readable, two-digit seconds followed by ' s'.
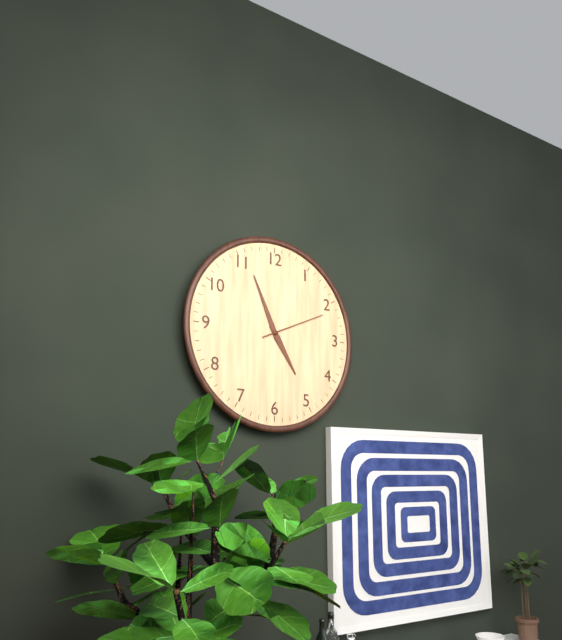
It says 4 h 56 min 11 s
